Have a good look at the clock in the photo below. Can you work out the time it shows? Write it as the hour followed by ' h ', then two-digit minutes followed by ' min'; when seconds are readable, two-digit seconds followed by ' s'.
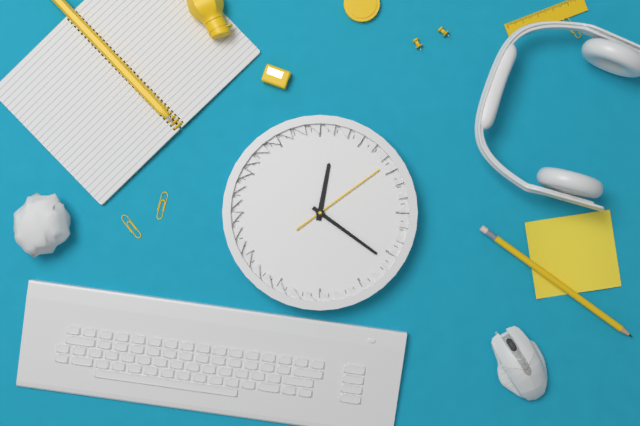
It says 12 h 21 min 09 s
